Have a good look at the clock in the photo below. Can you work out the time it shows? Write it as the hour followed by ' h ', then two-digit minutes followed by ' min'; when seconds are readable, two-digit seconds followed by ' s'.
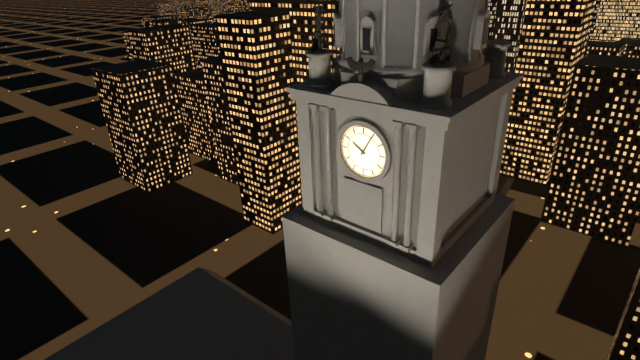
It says 10 h 05 min
